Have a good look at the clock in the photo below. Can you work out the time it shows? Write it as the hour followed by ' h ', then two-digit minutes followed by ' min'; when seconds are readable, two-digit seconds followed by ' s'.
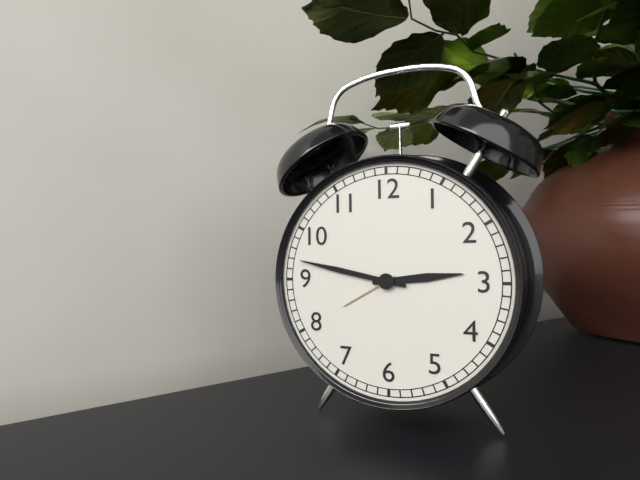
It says 2 h 47 min
